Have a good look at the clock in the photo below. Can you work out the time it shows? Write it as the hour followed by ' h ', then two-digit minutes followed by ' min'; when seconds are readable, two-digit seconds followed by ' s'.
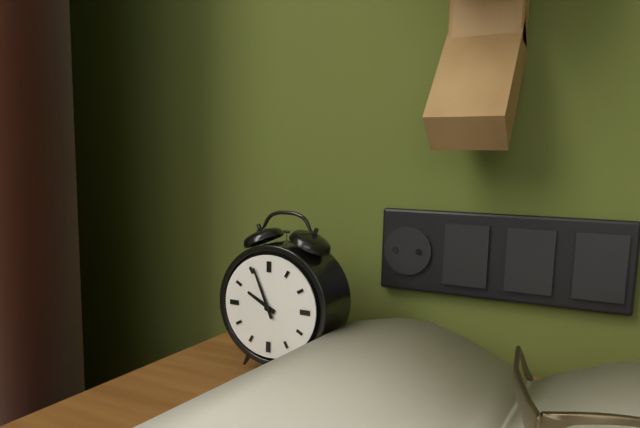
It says 9 h 56 min
